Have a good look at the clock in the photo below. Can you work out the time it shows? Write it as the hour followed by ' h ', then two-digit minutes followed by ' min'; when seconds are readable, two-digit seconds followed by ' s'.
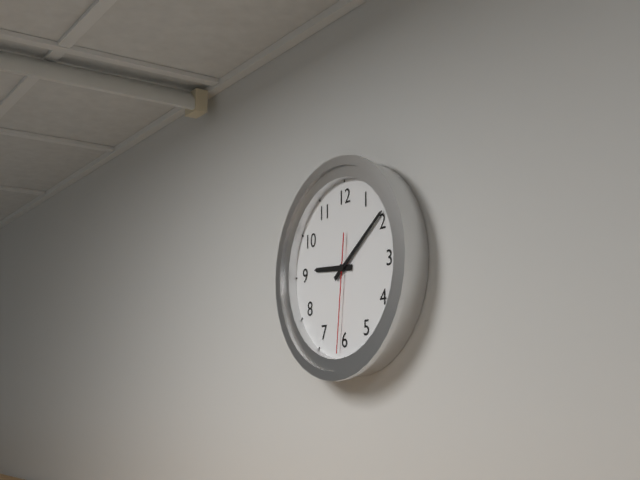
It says 9 h 09 min 31 s
